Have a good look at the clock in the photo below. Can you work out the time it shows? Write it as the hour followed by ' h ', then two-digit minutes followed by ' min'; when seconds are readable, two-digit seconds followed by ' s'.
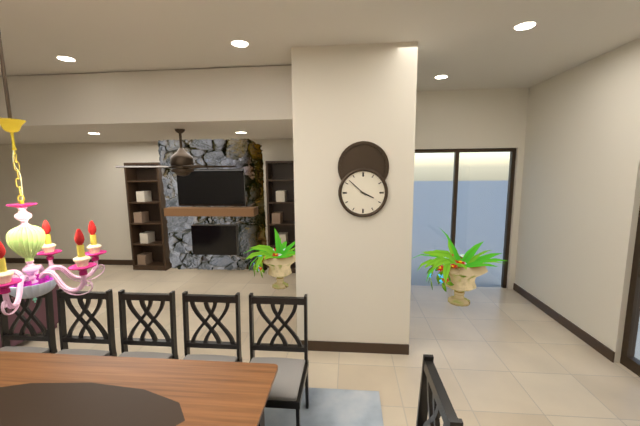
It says 3 h 52 min
